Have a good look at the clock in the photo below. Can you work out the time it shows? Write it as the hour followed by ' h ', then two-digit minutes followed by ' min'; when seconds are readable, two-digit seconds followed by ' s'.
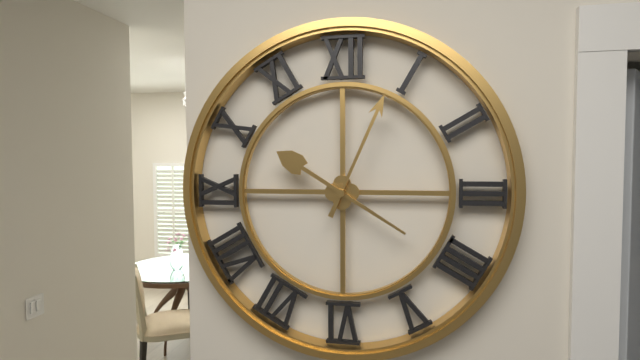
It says 10 h 04 min
